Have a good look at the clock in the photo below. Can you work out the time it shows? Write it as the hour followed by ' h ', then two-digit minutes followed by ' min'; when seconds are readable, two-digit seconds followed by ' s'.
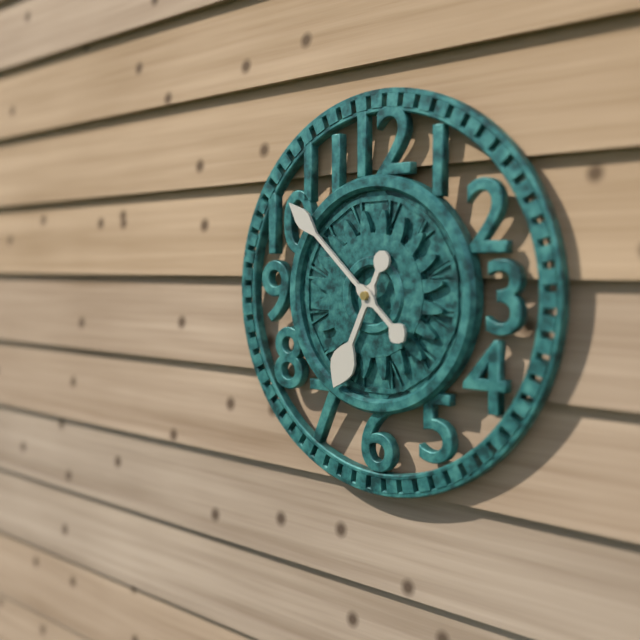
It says 6 h 52 min
